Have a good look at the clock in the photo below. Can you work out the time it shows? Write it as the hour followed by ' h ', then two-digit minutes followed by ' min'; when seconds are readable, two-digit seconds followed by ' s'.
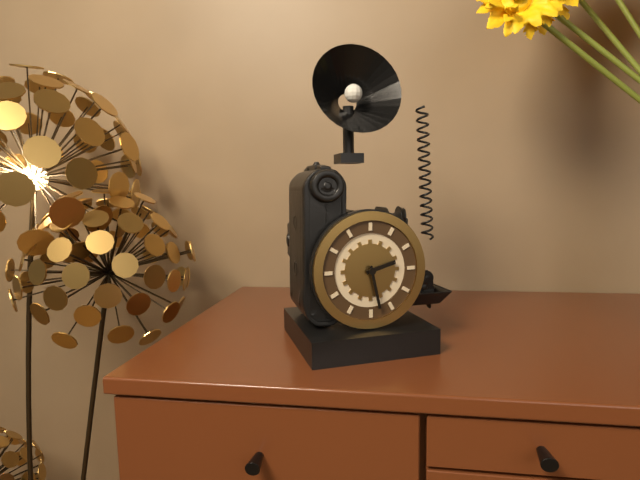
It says 2 h 28 min
